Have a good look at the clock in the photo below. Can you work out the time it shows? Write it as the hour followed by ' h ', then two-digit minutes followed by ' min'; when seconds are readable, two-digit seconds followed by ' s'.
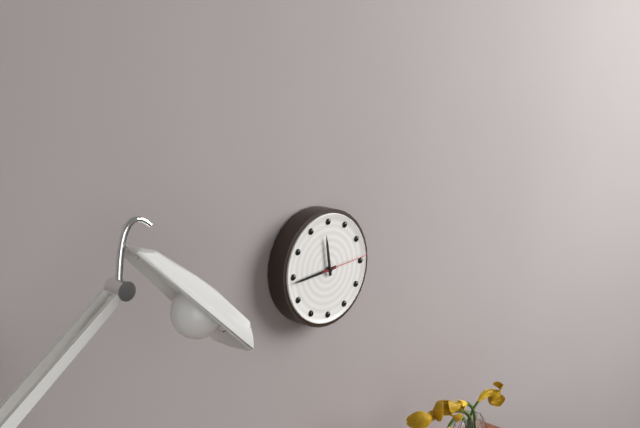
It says 11 h 44 min 14 s
